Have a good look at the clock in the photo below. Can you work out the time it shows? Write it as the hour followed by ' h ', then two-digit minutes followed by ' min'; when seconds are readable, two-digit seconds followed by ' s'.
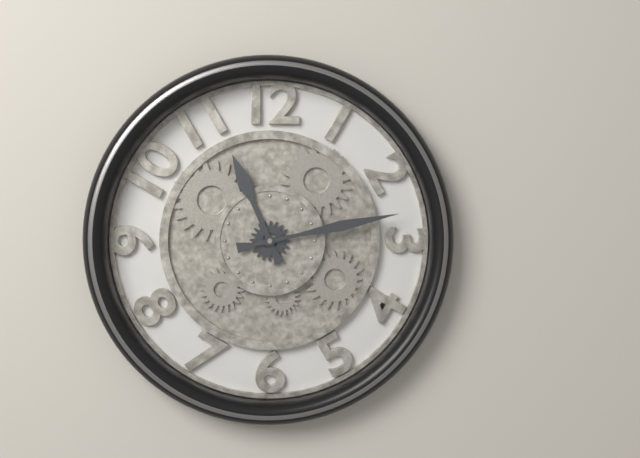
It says 11 h 13 min
